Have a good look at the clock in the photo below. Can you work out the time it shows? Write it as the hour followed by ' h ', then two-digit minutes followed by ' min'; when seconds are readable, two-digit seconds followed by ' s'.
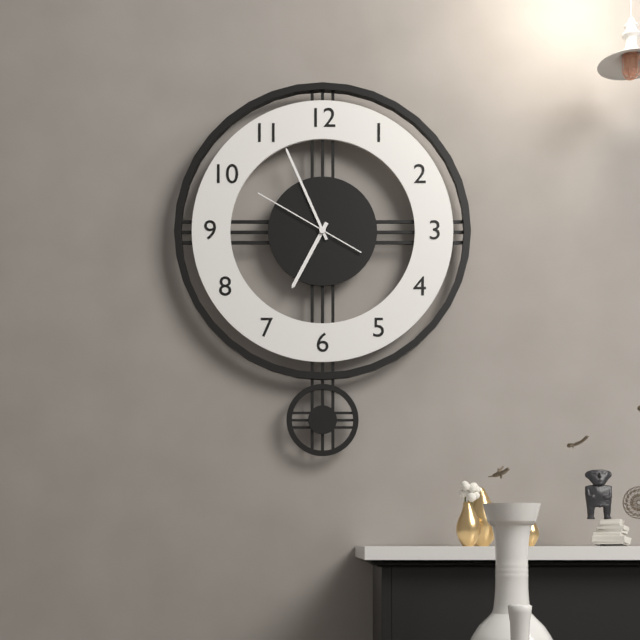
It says 6 h 56 min 50 s
